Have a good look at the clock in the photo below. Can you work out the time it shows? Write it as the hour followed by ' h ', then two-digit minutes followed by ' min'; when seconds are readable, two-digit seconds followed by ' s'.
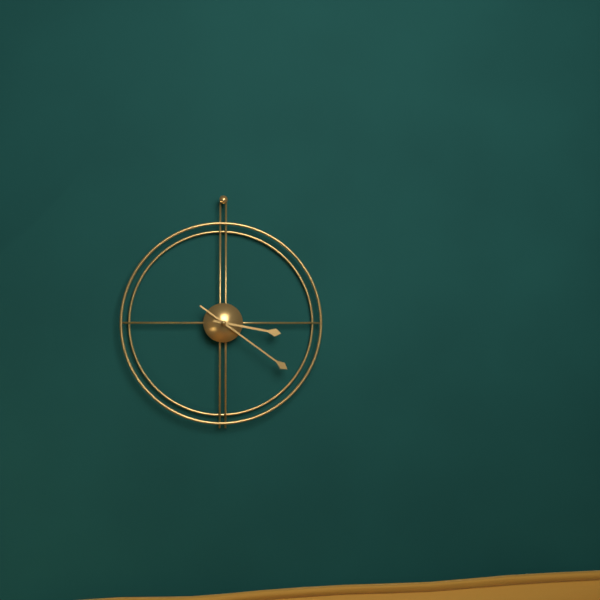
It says 3 h 21 min
